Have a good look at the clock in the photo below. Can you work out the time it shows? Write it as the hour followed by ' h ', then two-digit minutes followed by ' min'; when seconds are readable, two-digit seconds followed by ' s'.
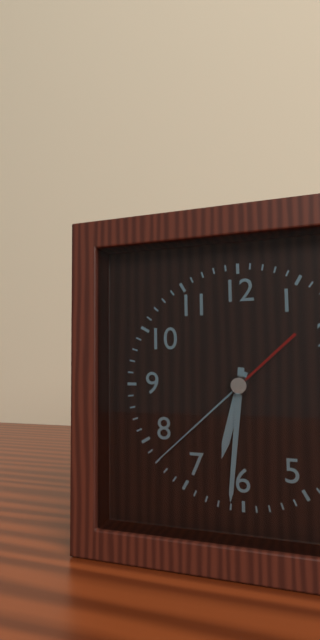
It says 6 h 31 min 38 s
